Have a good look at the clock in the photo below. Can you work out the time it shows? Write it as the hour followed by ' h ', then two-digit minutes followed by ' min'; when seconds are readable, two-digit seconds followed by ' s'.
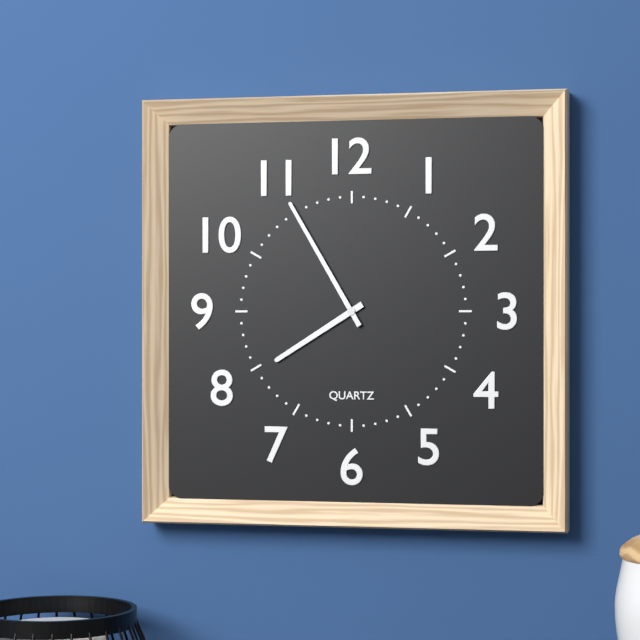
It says 7 h 55 min
